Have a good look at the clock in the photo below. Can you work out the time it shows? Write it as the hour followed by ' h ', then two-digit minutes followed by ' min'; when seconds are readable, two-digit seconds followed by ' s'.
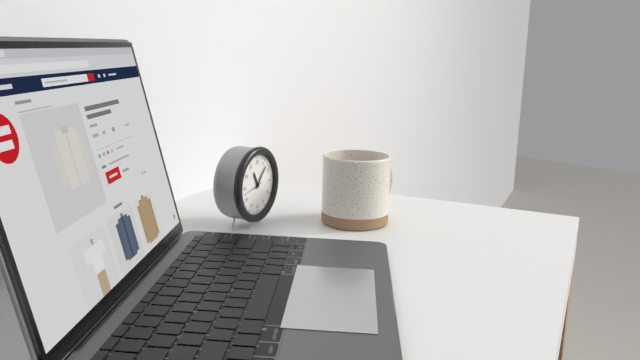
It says 11 h 07 min
